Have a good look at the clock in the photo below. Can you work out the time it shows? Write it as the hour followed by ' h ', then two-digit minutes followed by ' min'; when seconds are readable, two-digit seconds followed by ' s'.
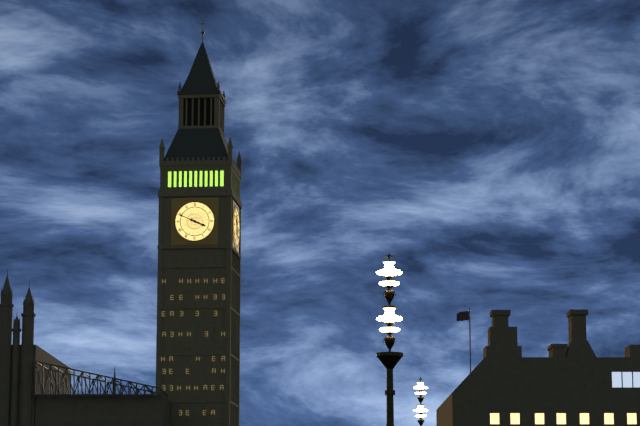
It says 3 h 49 min
